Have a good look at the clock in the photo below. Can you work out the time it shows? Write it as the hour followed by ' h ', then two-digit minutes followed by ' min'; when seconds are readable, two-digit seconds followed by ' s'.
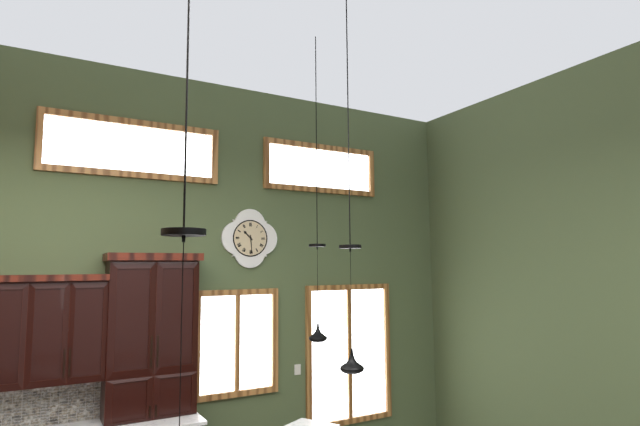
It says 10 h 29 min
